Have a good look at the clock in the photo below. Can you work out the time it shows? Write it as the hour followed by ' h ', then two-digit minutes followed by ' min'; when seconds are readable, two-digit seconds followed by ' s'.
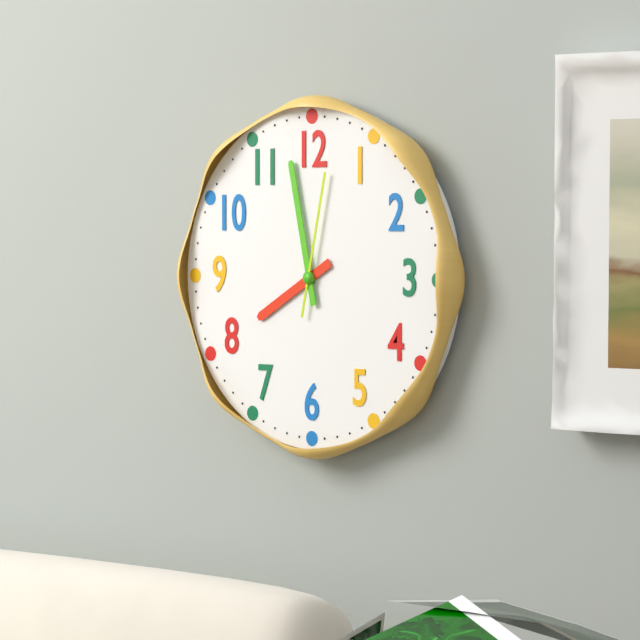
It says 7 h 58 min 02 s
